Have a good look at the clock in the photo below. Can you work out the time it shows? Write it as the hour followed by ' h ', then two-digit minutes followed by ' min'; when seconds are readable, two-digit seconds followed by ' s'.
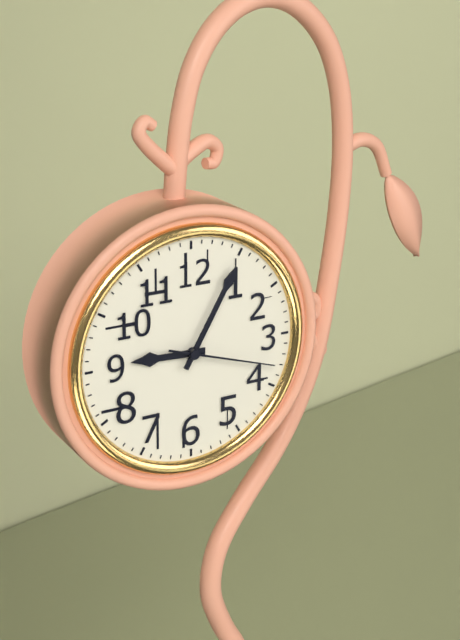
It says 9 h 05 min 18 s
